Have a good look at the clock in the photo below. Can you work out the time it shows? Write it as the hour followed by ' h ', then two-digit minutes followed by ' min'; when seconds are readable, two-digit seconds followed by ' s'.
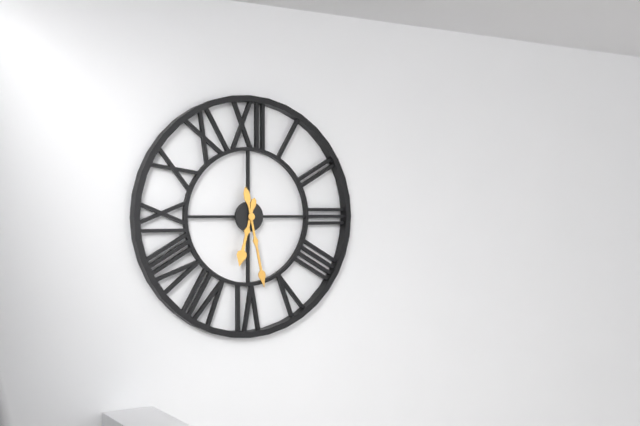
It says 6 h 28 min
